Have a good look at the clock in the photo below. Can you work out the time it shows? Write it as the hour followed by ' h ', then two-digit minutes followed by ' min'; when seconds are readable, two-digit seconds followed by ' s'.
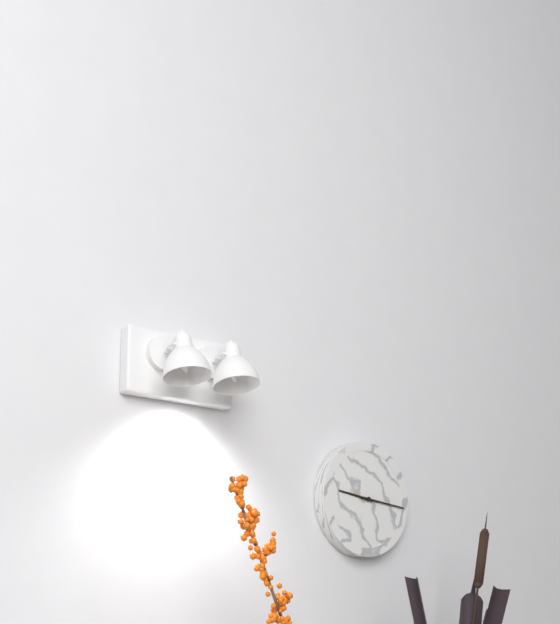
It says 9 h 16 min
